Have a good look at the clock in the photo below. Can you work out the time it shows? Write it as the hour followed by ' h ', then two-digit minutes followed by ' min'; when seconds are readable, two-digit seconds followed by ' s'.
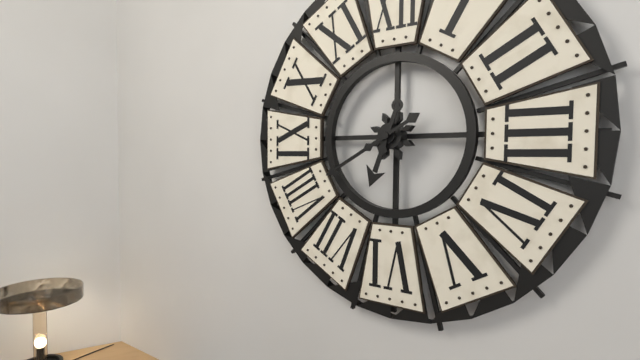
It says 6 h 40 min
